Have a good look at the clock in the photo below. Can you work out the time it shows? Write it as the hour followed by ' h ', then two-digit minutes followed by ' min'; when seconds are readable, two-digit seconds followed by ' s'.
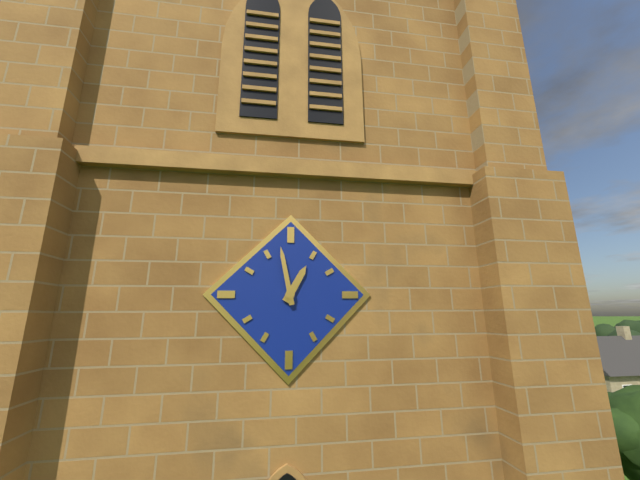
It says 12 h 58 min
